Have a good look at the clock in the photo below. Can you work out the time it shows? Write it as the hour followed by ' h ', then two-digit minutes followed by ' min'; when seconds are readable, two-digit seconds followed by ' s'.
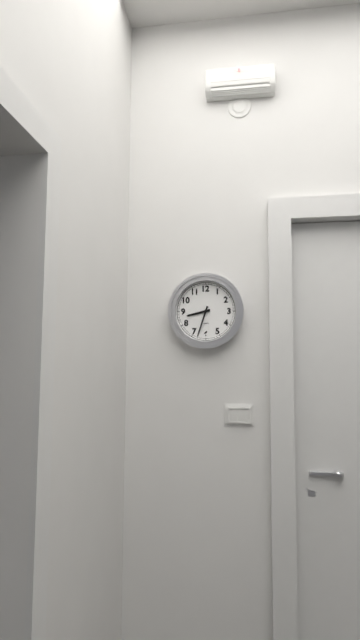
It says 8 h 33 min
